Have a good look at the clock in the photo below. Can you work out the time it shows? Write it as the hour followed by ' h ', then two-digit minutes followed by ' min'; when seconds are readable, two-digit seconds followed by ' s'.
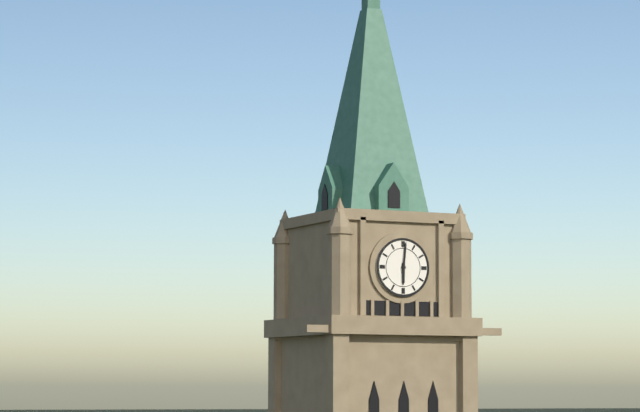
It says 6 h 01 min
